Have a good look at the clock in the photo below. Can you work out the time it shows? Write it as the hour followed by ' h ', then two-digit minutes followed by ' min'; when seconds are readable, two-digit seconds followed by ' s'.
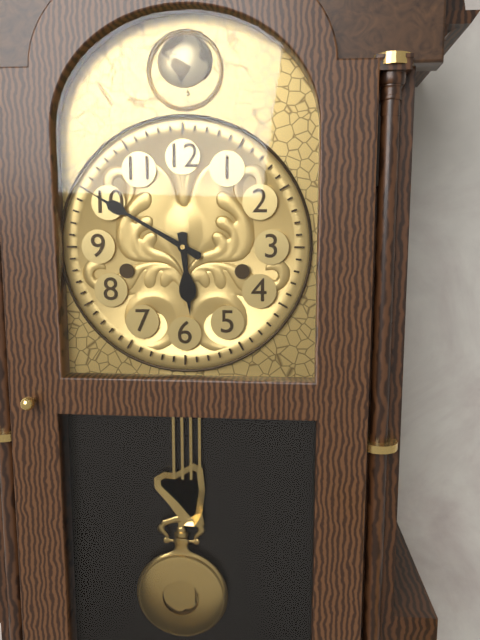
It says 5 h 50 min
